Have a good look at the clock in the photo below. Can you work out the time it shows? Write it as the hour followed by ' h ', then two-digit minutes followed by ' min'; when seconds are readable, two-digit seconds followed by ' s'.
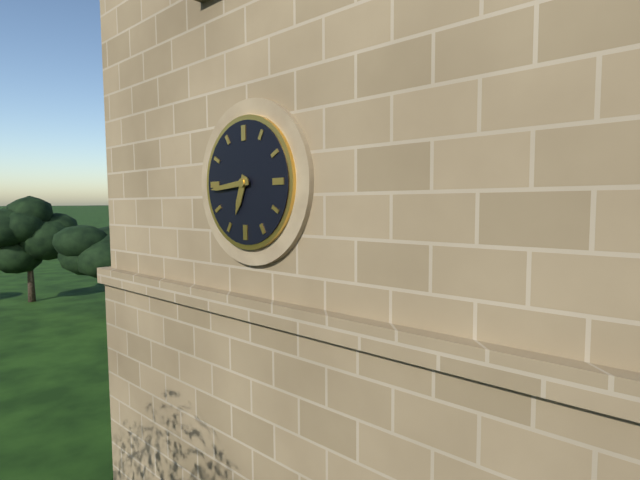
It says 6 h 44 min
